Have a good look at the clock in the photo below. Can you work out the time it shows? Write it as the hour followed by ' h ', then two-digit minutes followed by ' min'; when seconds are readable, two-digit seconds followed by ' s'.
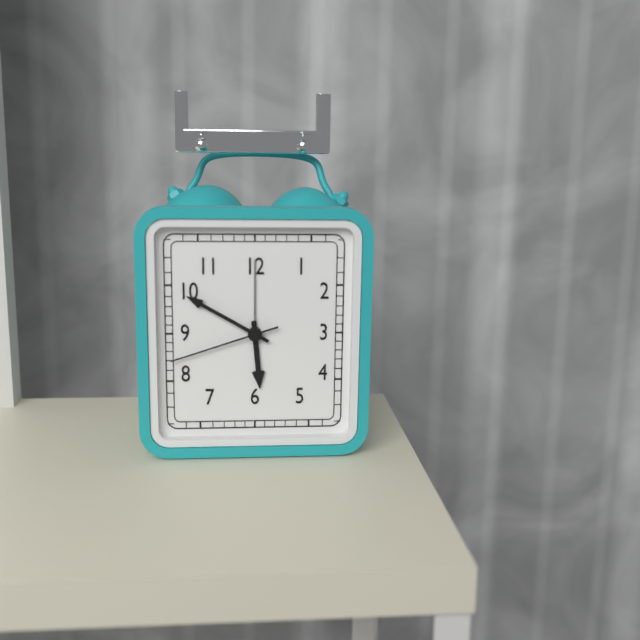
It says 5 h 50 min 42 s
